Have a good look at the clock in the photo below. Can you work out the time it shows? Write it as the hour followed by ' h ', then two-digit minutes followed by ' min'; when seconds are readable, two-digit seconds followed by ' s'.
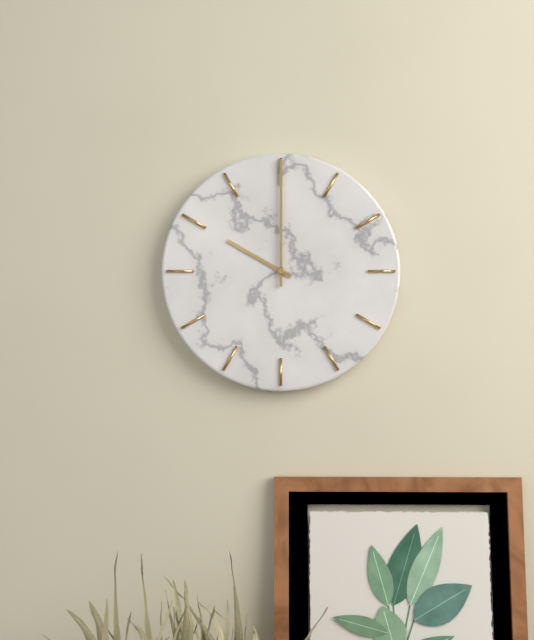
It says 10 h 00 min
